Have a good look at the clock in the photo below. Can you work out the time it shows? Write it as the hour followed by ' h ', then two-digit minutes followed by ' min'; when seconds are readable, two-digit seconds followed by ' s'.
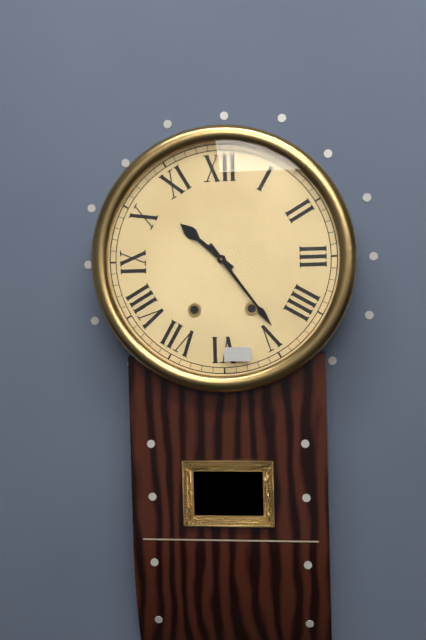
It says 10 h 24 min
